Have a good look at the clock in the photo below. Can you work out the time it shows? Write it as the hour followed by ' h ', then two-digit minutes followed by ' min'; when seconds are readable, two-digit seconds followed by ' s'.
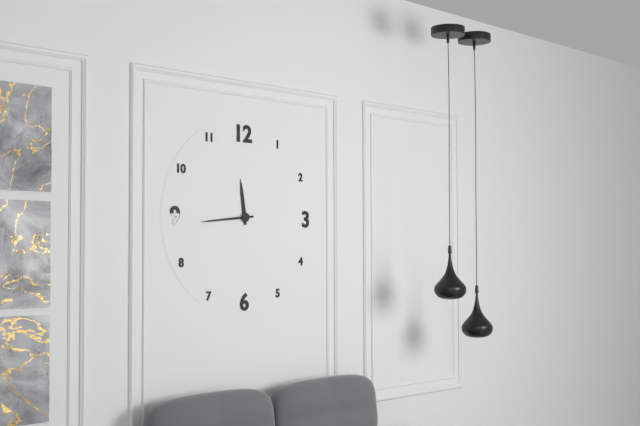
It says 11 h 44 min
